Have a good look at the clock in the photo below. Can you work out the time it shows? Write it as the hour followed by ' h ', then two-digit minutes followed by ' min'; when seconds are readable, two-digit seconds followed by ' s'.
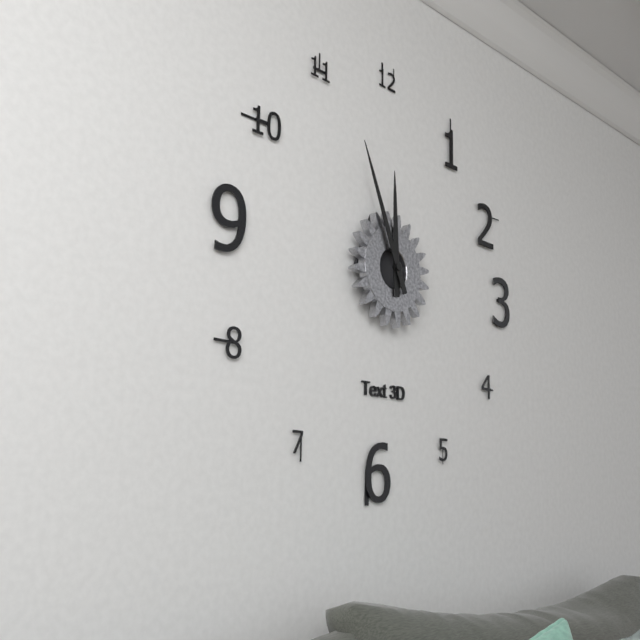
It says 11 h 56 min
